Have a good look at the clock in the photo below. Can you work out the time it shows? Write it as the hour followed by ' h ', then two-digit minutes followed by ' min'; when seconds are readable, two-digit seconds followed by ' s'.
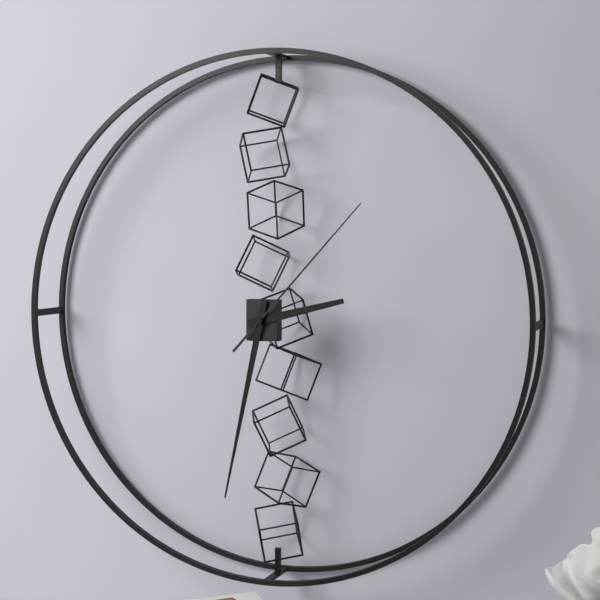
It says 2 h 32 min 07 s
